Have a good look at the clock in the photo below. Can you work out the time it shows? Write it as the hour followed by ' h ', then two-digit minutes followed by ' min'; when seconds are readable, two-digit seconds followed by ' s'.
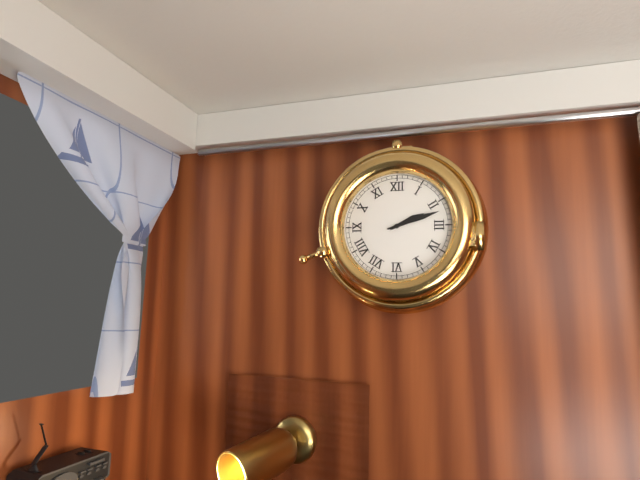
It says 2 h 12 min
